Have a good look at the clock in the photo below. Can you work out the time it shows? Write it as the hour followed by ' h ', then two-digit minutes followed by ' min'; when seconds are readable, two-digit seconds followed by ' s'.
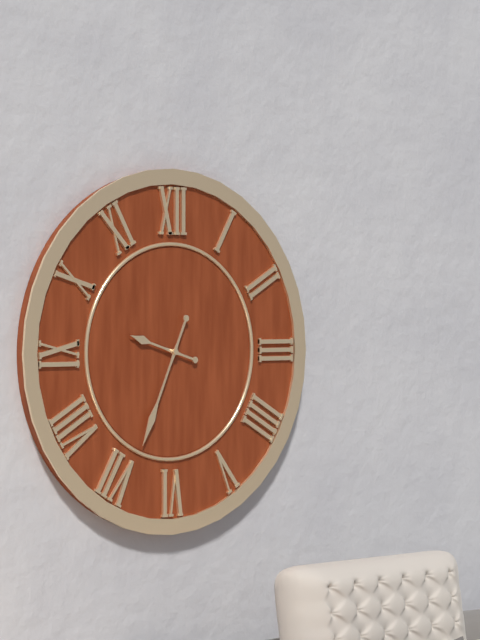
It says 9 h 34 min
